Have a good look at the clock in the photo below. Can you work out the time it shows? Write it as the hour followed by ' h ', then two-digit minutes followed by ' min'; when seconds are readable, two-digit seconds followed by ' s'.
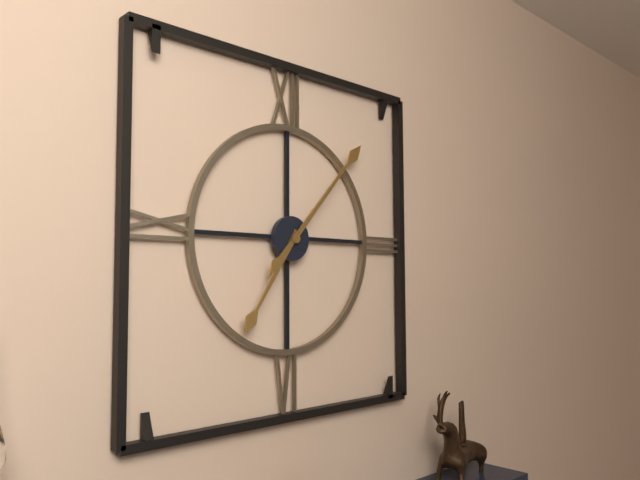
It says 7 h 07 min
